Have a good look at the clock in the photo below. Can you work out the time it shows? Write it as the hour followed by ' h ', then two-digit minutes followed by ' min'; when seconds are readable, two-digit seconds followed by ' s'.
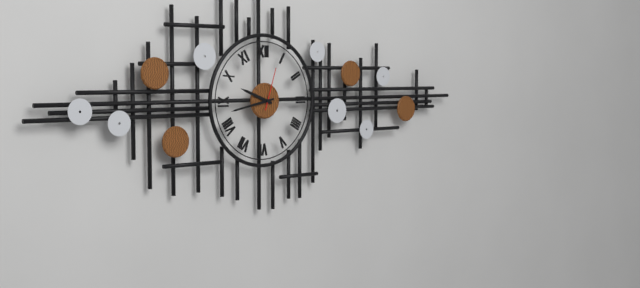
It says 9 h 43 min
